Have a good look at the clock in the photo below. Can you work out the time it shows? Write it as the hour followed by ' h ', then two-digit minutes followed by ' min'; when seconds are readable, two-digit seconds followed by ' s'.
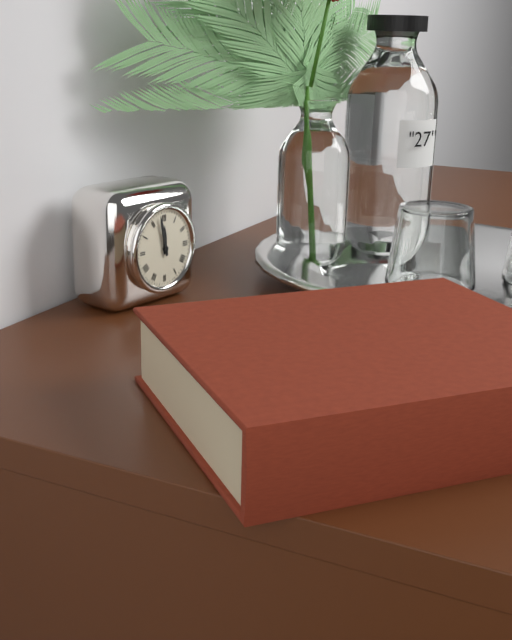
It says 11 h 58 min
